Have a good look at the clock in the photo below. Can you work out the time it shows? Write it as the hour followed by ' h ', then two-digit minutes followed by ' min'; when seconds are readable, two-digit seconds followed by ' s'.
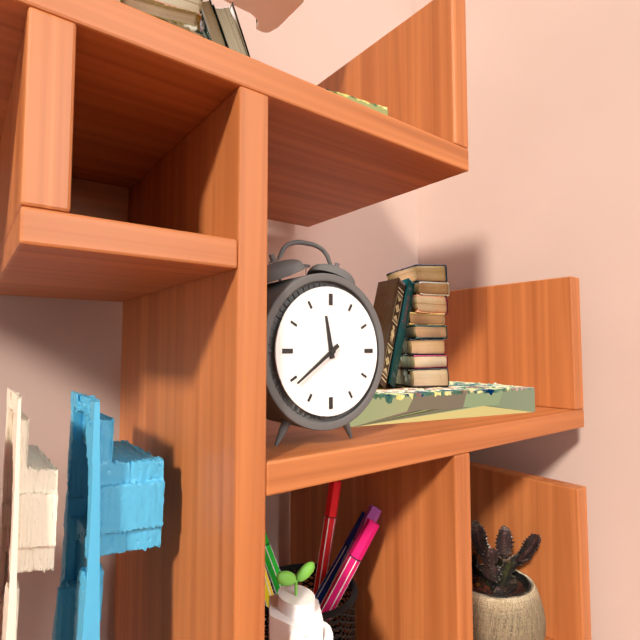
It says 11 h 39 min
